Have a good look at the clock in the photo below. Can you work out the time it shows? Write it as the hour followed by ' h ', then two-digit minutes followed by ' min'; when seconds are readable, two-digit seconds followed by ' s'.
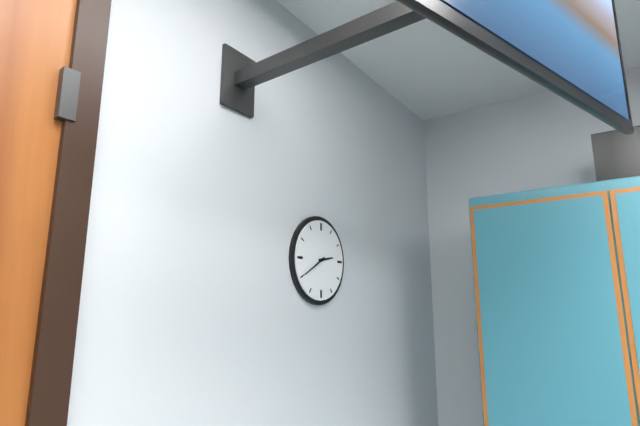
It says 2 h 40 min
